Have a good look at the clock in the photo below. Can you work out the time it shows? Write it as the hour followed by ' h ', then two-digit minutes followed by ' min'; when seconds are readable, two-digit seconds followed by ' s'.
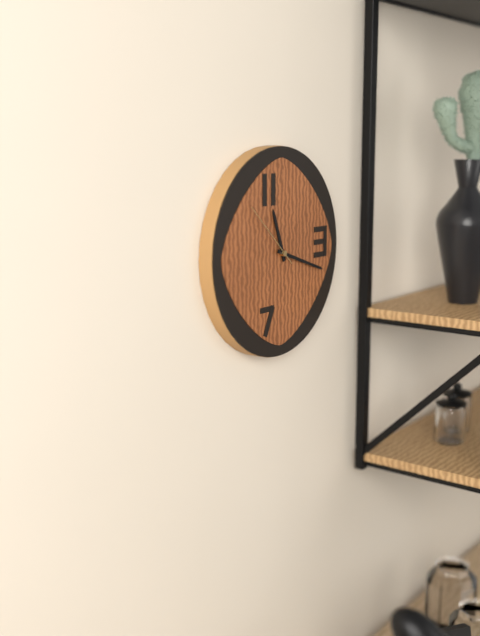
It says 11 h 18 min 52 s
